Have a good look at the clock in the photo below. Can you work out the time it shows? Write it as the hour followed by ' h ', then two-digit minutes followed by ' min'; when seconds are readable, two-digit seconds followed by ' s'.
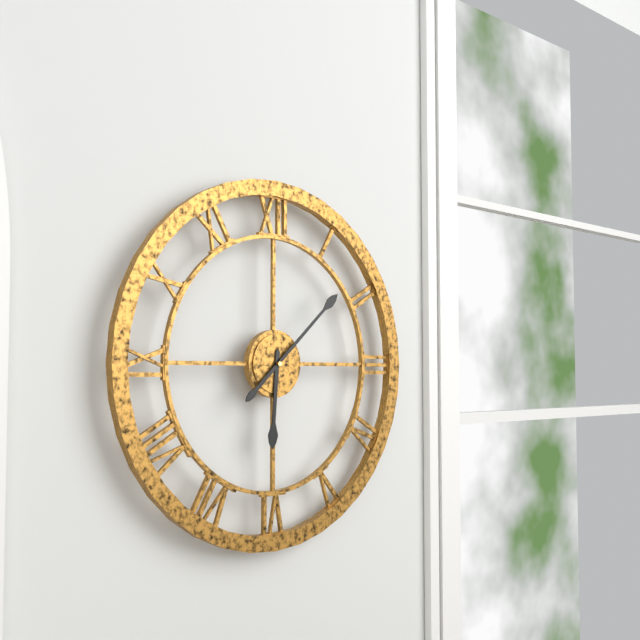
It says 6 h 08 min
